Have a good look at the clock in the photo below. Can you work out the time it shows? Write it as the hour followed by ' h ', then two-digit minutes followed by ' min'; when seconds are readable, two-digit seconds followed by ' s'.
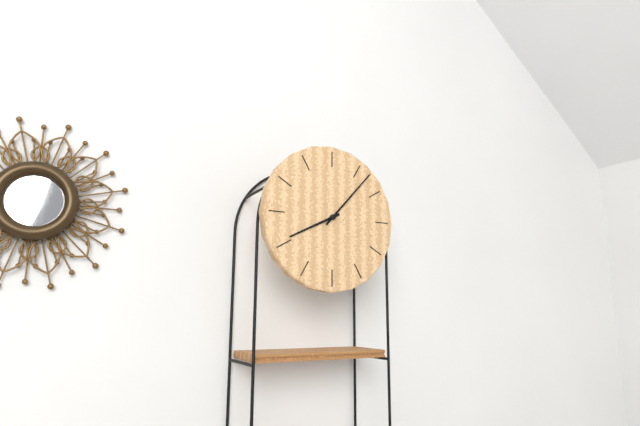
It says 8 h 07 min
